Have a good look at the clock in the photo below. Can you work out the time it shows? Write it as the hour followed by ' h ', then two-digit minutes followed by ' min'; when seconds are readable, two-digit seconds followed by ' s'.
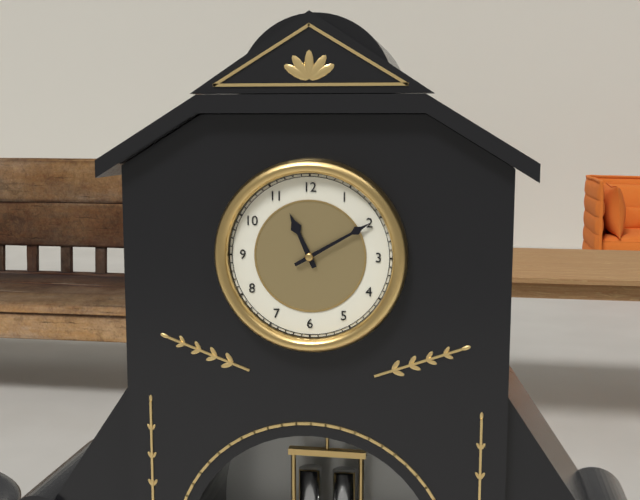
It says 11 h 10 min
